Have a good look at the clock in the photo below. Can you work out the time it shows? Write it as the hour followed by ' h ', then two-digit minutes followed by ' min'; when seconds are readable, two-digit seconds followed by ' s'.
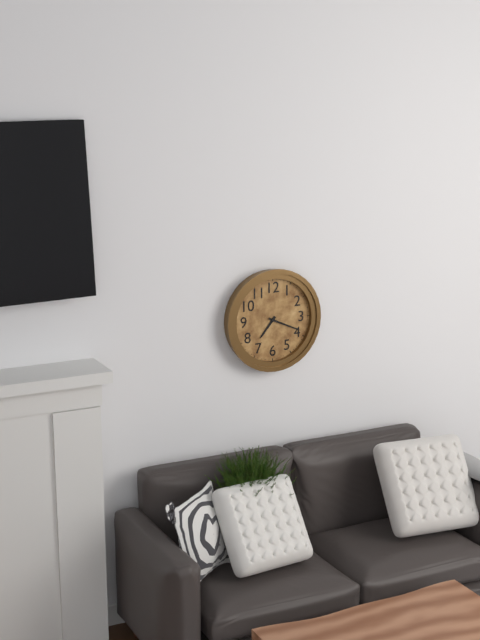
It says 7 h 19 min
